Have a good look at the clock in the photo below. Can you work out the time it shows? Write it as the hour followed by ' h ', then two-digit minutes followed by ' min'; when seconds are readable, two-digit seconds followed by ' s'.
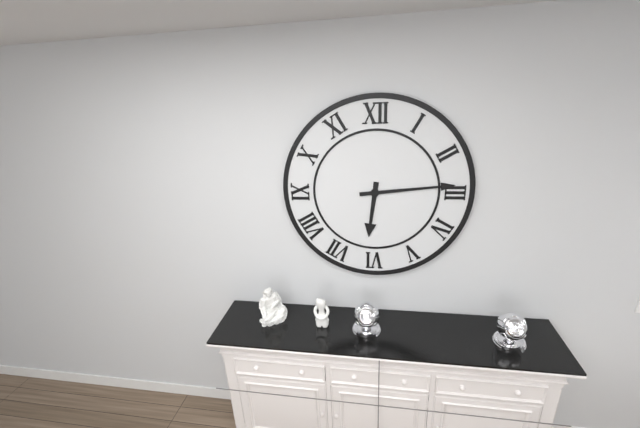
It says 6 h 14 min
